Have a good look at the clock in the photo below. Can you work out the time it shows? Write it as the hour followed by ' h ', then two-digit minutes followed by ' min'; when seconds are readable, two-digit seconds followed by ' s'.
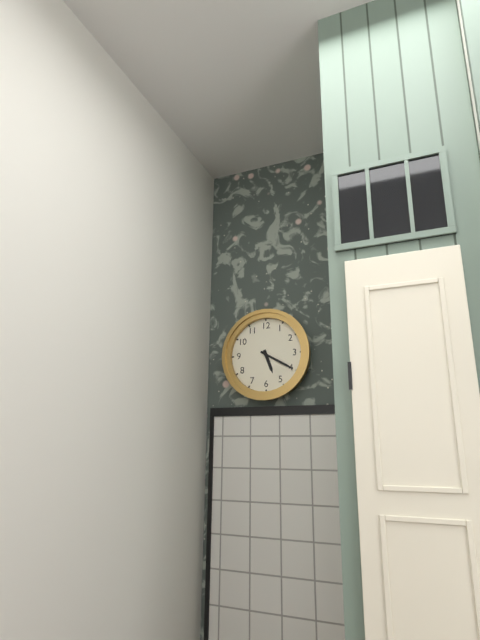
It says 5 h 20 min
